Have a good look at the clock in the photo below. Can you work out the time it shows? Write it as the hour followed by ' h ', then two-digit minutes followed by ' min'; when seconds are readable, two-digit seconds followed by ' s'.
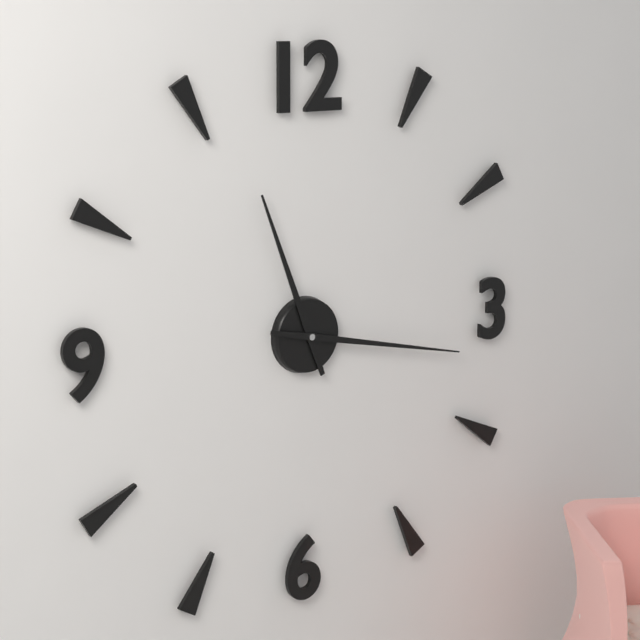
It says 11 h 17 min
